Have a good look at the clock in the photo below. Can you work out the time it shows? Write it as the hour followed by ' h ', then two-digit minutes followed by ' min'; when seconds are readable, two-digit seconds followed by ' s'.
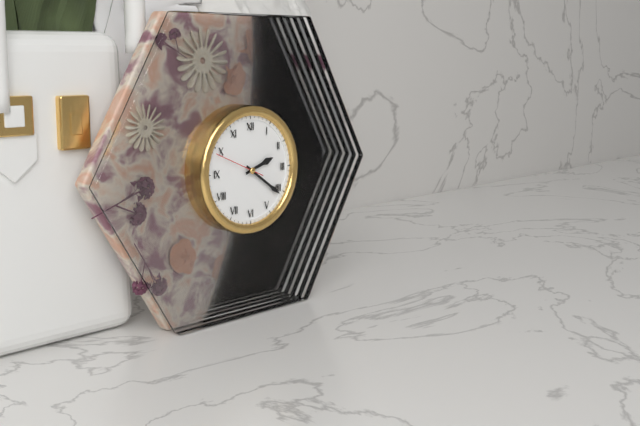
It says 2 h 21 min
